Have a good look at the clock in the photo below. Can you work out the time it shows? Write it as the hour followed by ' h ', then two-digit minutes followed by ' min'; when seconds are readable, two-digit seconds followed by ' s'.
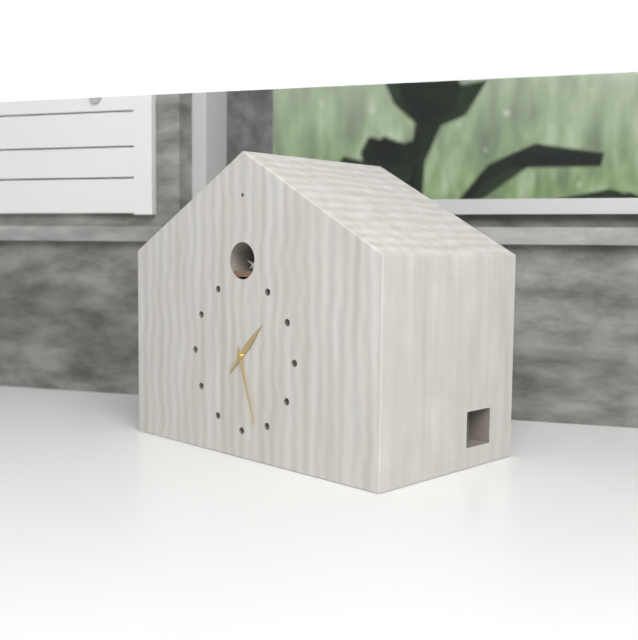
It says 1 h 27 min
